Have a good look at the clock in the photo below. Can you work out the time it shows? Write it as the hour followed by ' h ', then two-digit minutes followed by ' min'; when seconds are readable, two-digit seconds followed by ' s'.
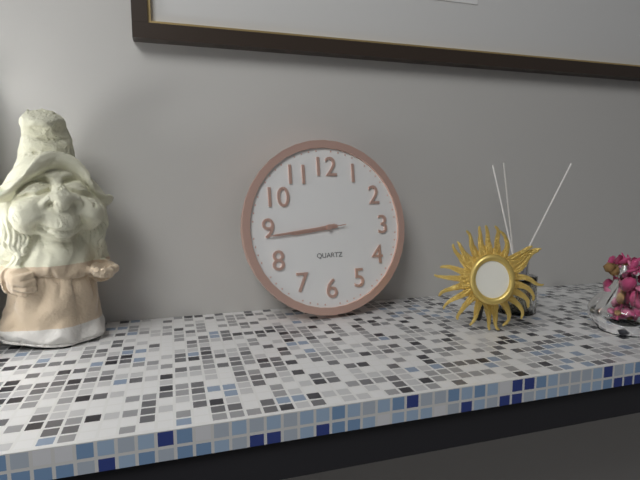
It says 8 h 44 min 44 s
